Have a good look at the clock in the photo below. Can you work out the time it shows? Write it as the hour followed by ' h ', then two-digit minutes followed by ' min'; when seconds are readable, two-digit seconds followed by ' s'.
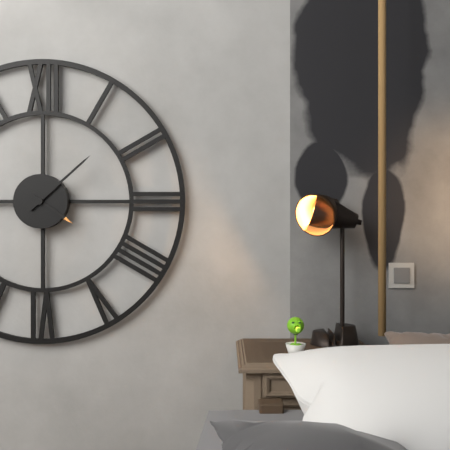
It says 4 h 08 min
